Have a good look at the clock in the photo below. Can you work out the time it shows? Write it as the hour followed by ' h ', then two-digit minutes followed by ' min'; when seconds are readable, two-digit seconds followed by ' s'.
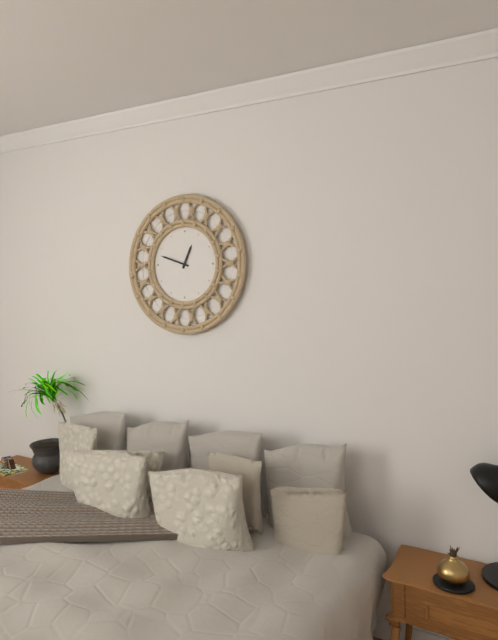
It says 12 h 48 min
